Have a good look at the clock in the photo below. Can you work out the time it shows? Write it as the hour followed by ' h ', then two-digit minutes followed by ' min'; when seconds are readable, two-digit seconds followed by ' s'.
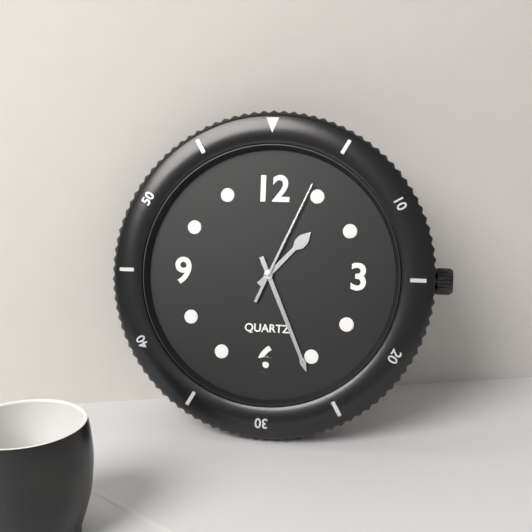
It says 1 h 26 min 04 s
